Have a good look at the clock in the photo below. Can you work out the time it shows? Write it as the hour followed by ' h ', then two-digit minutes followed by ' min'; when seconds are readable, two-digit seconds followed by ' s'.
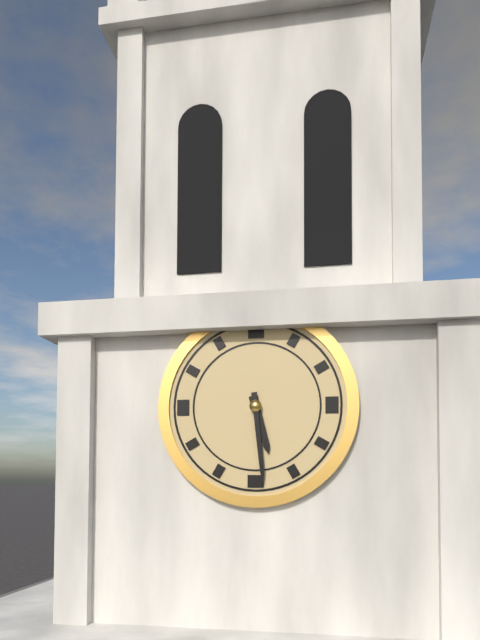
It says 5 h 29 min
